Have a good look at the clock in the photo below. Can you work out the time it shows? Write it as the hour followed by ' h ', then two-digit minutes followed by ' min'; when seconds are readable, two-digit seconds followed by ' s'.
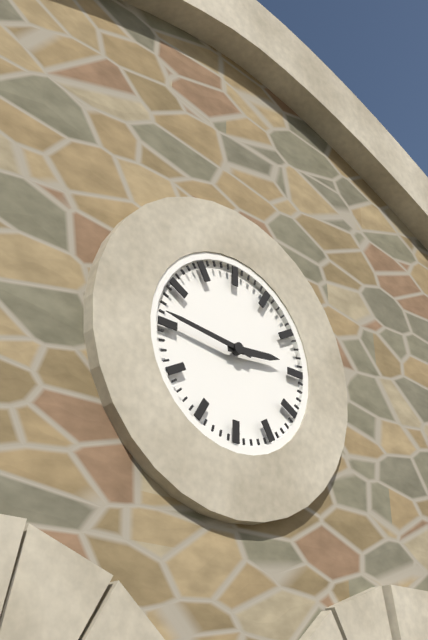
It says 2 h 46 min
